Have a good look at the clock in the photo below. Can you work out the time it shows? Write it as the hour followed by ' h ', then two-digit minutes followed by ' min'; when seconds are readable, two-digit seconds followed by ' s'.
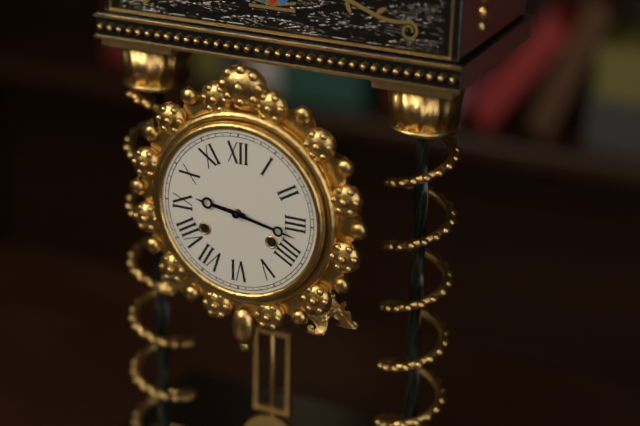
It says 9 h 17 min
